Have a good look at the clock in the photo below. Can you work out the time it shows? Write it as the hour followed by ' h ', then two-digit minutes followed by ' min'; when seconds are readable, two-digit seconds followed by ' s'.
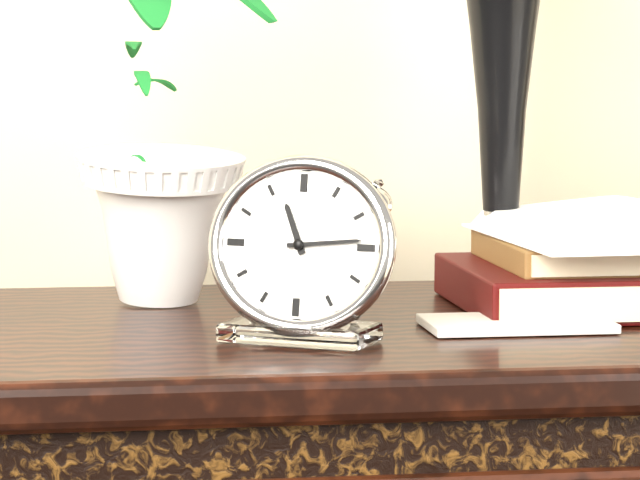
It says 11 h 14 min
